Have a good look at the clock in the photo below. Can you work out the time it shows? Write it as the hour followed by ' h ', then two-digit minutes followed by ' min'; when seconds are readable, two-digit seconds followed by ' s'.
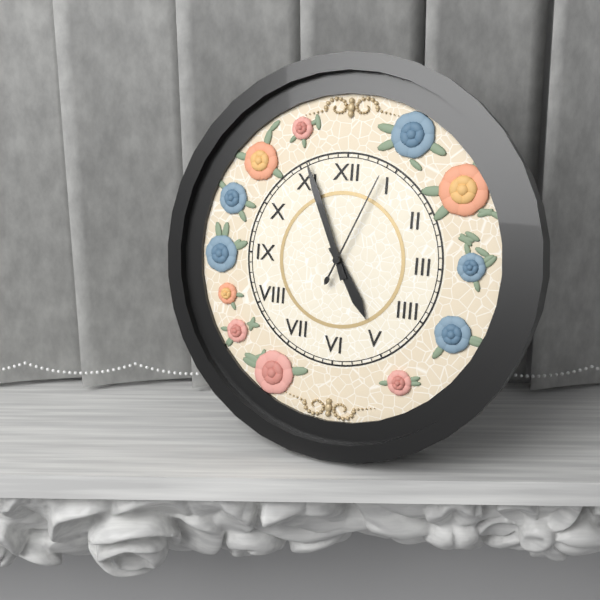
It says 4 h 56 min 04 s
